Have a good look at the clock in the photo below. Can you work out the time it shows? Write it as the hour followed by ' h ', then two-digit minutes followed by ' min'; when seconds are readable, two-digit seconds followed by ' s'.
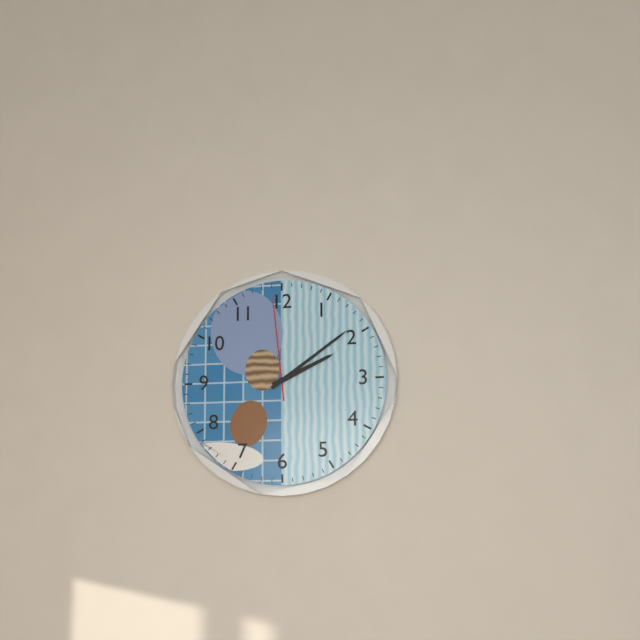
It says 2 h 09 min 59 s
